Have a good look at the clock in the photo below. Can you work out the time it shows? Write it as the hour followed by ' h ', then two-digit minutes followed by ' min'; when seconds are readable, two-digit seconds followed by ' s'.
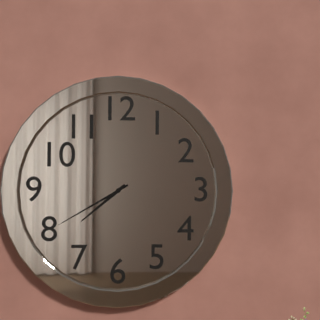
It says 7 h 40 min
